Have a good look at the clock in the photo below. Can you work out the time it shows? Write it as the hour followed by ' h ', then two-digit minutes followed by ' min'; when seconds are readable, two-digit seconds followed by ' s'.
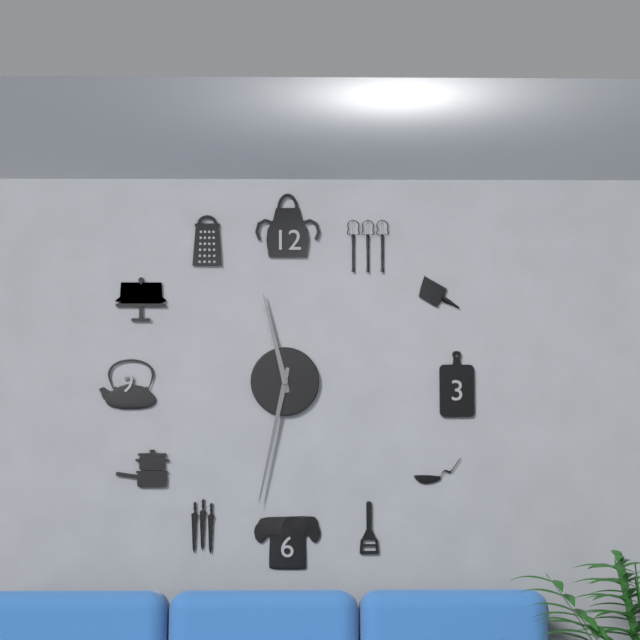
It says 11 h 32 min
